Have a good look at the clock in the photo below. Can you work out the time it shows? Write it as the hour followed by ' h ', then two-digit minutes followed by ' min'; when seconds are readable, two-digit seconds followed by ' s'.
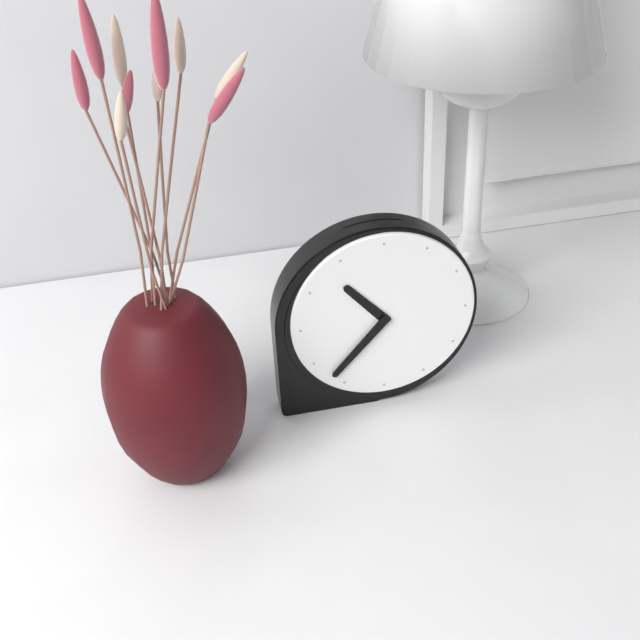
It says 10 h 37 min
